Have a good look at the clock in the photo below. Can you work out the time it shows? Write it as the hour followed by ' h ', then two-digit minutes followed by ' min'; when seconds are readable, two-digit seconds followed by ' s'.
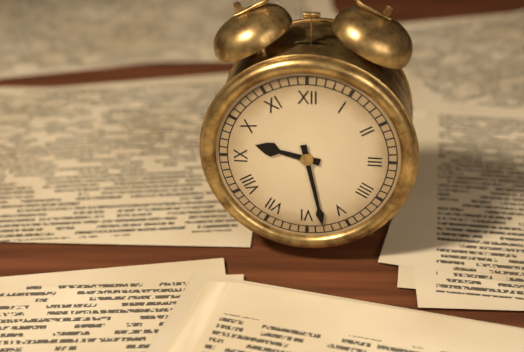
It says 9 h 28 min
